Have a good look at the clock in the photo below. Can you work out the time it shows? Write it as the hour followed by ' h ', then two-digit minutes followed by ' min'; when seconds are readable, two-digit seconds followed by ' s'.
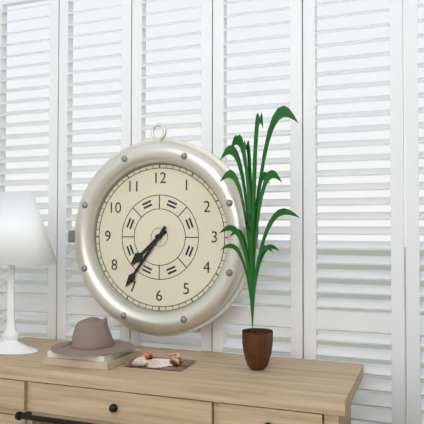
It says 7 h 36 min
